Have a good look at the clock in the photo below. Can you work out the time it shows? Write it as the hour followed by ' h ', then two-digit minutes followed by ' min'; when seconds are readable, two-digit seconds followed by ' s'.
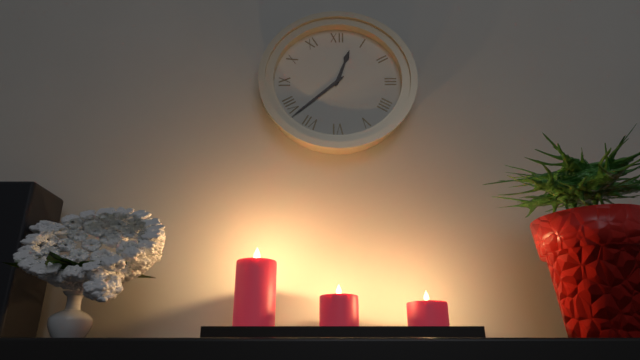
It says 12 h 38 min
